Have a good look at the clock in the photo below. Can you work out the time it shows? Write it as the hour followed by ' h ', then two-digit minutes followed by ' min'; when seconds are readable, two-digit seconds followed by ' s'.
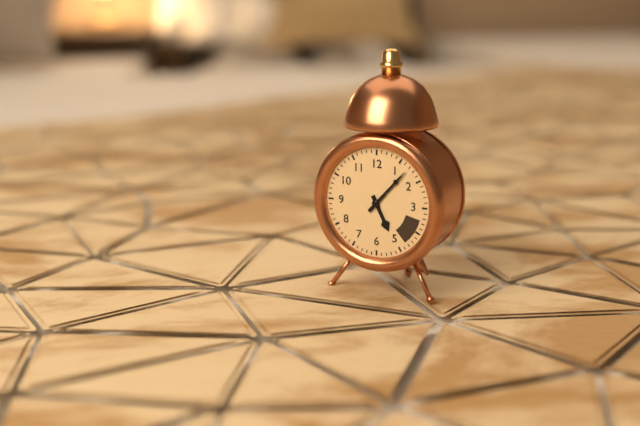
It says 5 h 07 min
